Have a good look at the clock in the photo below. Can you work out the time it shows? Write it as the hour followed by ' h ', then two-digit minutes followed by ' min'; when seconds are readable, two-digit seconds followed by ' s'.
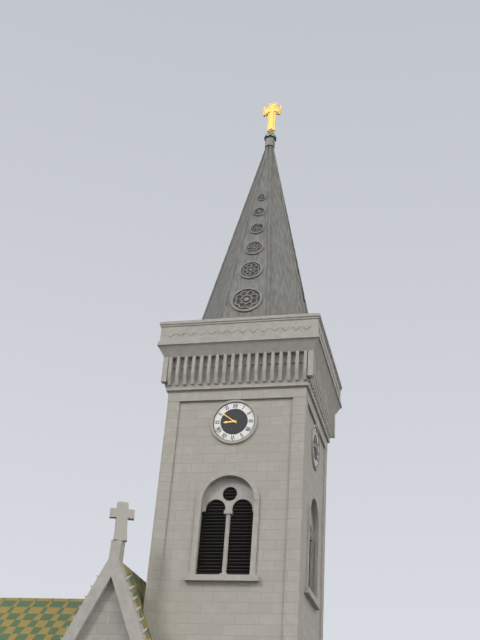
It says 8 h 51 min
